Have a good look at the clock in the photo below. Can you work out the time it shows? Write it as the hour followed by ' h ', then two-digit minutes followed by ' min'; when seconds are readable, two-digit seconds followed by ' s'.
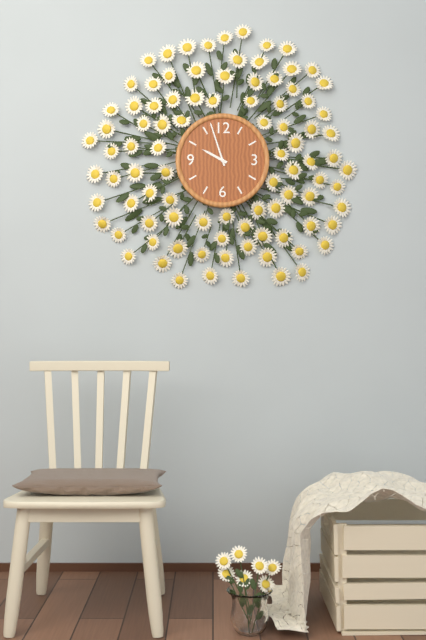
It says 9 h 57 min
